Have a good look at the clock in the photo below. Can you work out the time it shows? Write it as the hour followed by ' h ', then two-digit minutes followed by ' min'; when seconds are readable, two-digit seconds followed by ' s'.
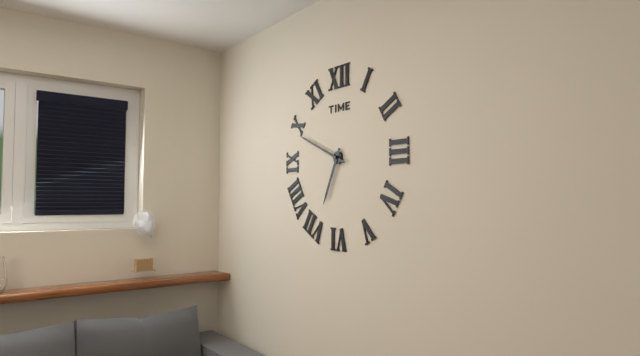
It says 6 h 49 min
